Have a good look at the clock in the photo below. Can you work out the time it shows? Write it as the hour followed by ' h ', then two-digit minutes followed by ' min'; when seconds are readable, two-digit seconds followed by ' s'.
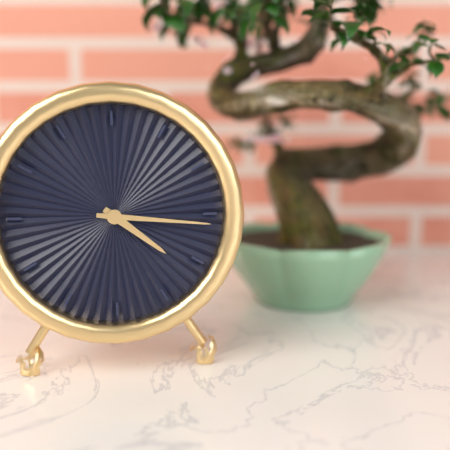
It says 4 h 16 min
